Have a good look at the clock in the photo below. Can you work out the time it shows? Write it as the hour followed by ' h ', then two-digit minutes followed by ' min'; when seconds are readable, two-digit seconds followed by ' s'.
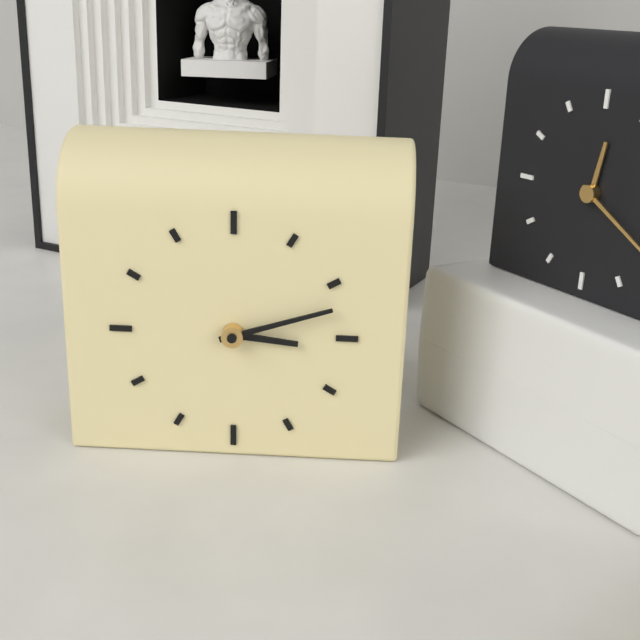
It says 3 h 12 min
